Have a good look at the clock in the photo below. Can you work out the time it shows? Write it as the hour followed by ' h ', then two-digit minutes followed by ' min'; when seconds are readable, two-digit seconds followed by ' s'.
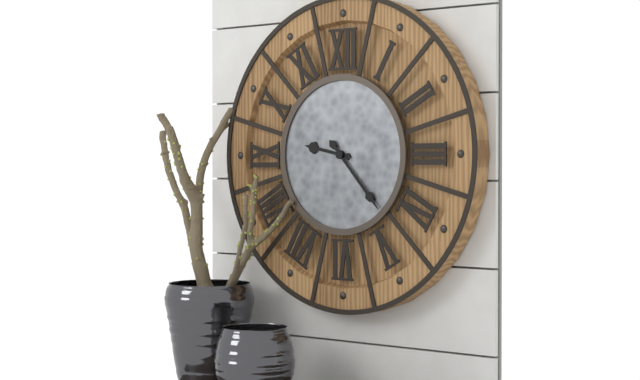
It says 9 h 23 min
